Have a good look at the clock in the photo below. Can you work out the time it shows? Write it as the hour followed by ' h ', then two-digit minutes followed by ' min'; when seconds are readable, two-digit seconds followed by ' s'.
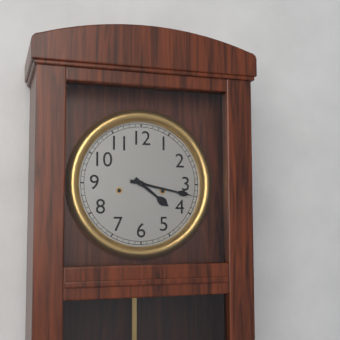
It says 4 h 17 min
